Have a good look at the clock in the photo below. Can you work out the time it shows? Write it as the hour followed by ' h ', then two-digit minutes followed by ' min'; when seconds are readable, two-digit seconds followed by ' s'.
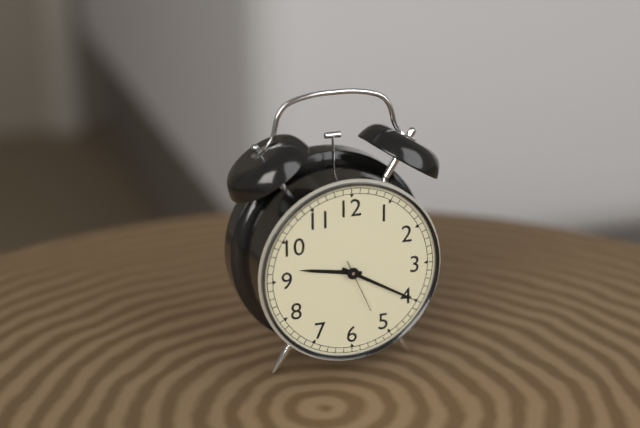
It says 9 h 20 min 26 s
